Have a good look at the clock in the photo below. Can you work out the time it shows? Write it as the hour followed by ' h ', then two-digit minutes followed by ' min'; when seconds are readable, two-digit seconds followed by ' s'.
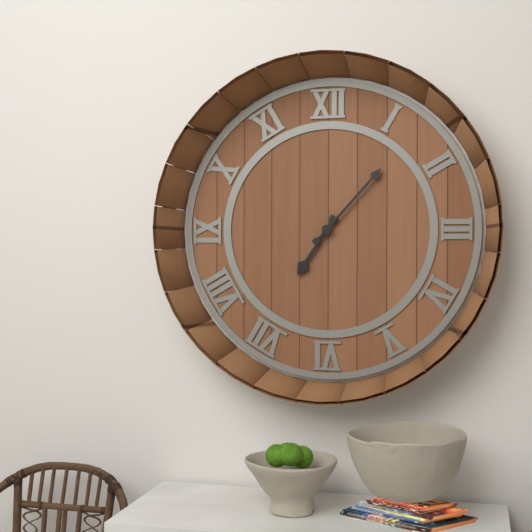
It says 7 h 07 min
